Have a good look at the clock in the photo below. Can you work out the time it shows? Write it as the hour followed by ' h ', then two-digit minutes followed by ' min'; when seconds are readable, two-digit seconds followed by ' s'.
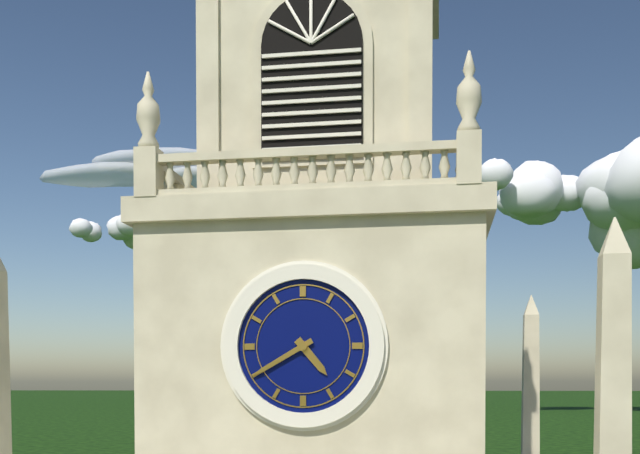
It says 4 h 40 min
